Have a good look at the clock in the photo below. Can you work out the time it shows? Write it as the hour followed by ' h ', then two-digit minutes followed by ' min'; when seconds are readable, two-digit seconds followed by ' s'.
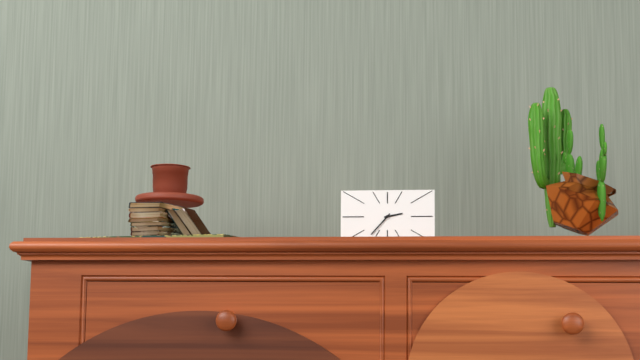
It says 2 h 37 min
